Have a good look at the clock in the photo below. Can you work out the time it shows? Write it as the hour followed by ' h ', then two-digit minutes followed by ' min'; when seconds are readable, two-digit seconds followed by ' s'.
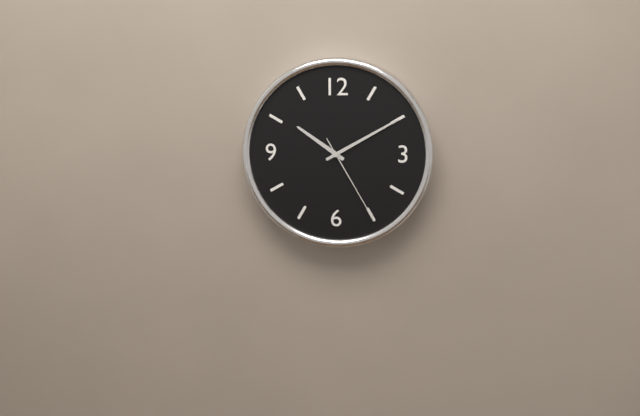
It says 10 h 10 min 25 s
